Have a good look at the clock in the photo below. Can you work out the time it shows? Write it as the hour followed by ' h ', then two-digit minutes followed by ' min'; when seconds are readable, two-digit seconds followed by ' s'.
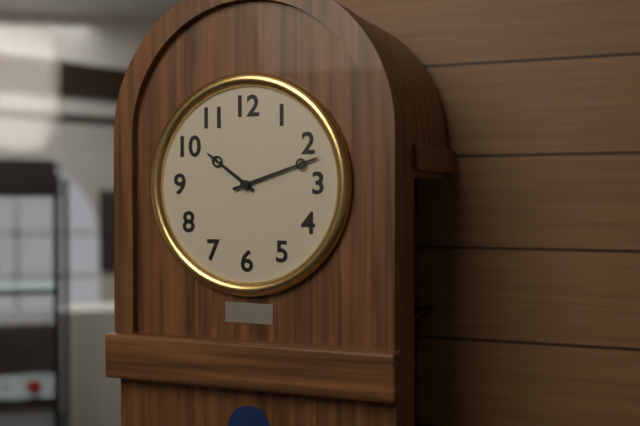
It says 10 h 12 min
